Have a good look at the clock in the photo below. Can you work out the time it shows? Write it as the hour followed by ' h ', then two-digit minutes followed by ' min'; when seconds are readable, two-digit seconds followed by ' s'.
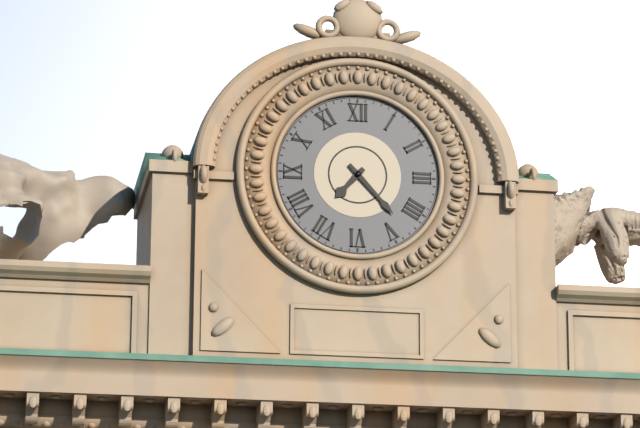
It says 7 h 23 min
